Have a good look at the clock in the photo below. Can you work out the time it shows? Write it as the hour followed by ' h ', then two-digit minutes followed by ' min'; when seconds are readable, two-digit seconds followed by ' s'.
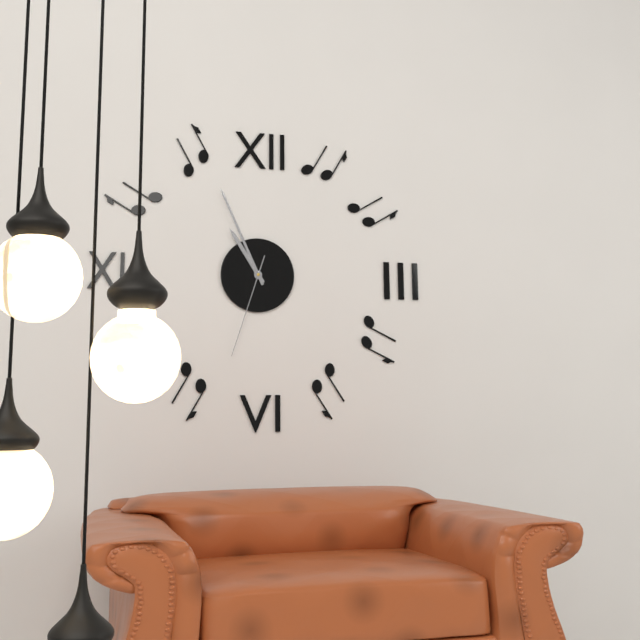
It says 10 h 56 min 33 s
